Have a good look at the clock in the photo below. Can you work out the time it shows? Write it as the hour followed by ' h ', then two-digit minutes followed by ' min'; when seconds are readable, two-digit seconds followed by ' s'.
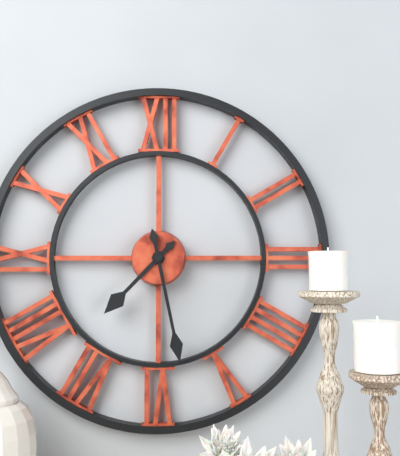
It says 7 h 28 min
